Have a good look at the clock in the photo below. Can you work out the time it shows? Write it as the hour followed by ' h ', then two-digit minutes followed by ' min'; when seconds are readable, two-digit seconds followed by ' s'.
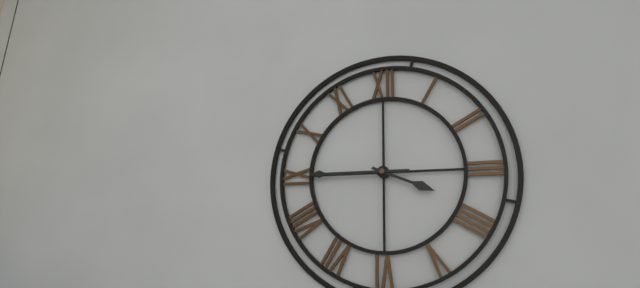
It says 3 h 45 min
